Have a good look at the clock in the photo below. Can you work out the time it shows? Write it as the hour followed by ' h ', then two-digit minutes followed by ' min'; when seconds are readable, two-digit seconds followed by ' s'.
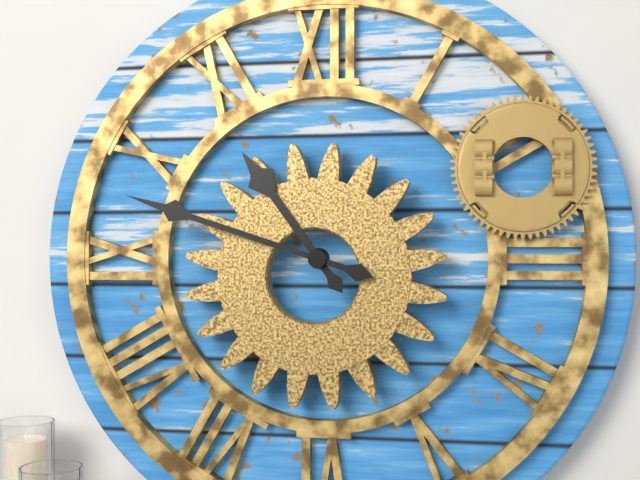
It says 10 h 48 min
